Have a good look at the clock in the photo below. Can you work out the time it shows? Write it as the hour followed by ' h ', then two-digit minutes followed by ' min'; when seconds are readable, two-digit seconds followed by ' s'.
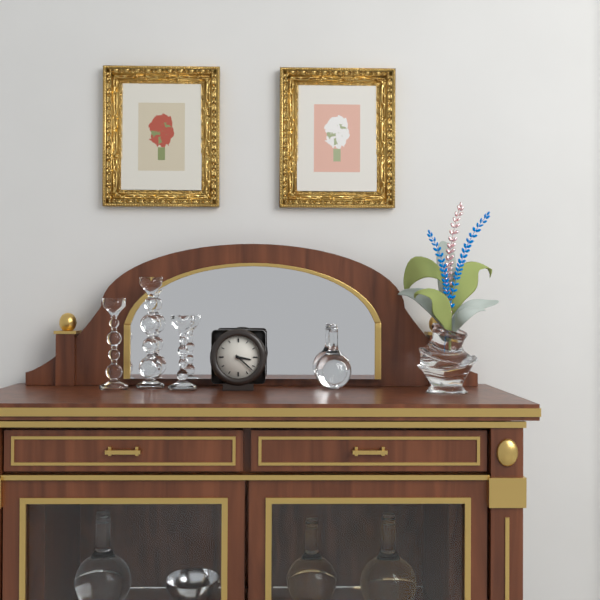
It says 3 h 22 min
